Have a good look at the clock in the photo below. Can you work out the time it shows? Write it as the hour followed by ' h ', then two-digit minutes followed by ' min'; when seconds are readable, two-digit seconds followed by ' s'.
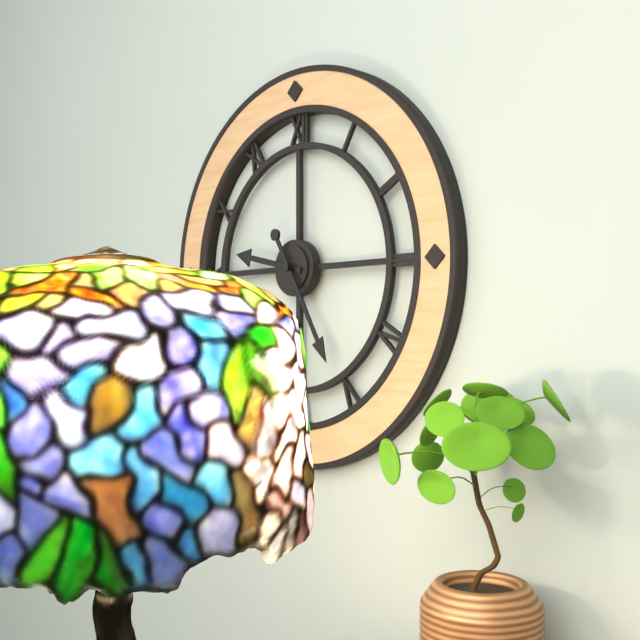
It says 9 h 25 min
